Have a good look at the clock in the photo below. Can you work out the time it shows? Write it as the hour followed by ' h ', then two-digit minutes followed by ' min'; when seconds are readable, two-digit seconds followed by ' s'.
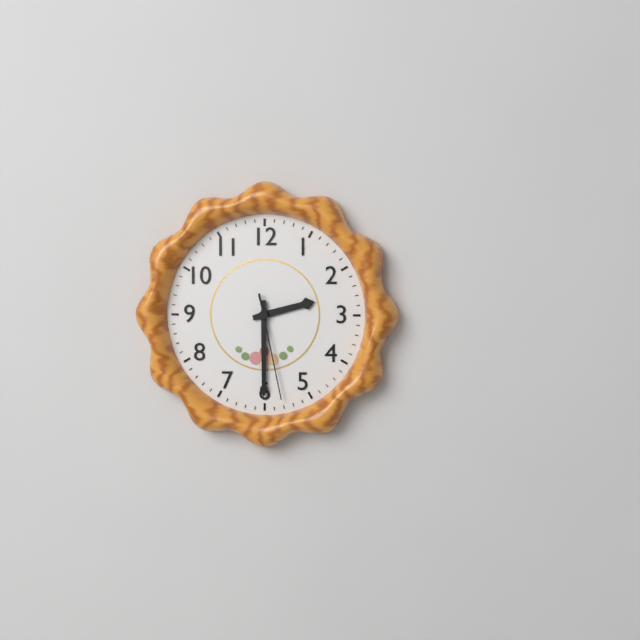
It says 2 h 30 min 28 s
